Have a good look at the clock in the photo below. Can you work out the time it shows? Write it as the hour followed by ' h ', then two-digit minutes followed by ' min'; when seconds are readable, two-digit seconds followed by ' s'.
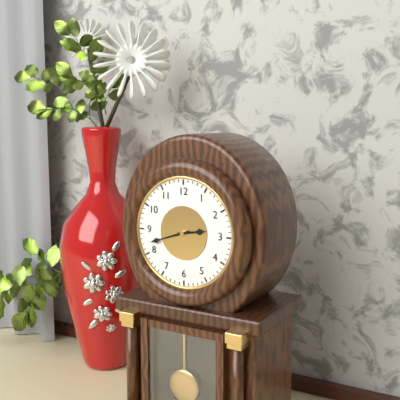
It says 2 h 42 min
